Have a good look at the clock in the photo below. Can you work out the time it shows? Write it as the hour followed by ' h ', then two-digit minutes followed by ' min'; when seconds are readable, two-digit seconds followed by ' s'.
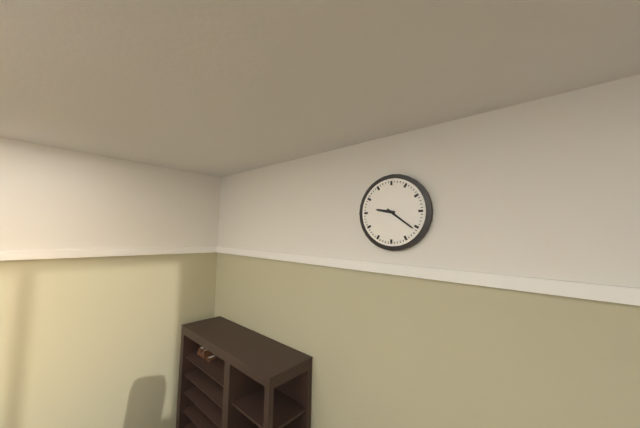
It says 9 h 21 min
